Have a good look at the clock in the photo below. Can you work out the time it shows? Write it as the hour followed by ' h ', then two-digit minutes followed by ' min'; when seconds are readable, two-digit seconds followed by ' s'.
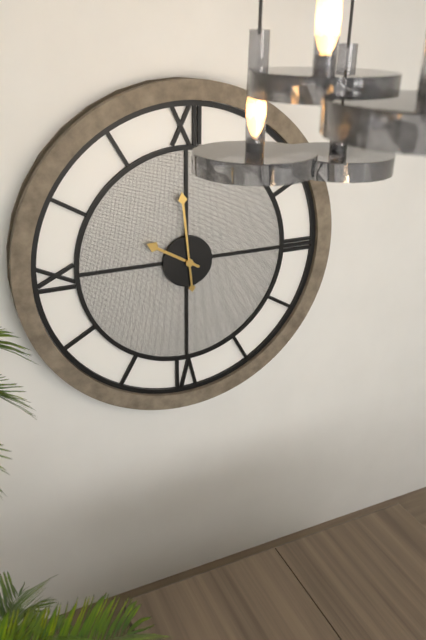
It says 9 h 59 min
